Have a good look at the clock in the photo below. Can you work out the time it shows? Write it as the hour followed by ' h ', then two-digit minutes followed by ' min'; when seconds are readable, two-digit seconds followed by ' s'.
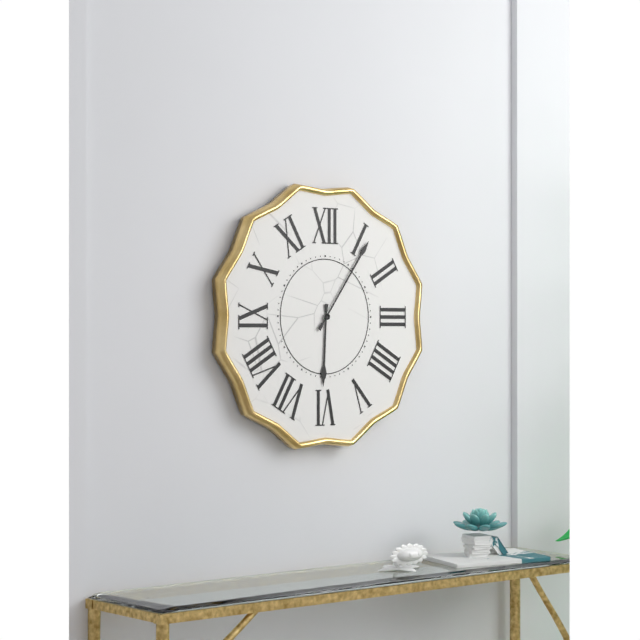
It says 6 h 06 min
